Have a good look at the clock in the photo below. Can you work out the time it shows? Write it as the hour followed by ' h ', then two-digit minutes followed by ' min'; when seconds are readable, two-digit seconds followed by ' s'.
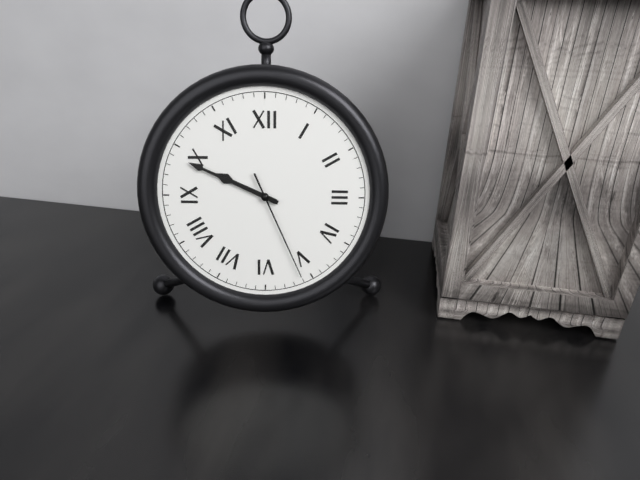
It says 9 h 49 min 26 s
